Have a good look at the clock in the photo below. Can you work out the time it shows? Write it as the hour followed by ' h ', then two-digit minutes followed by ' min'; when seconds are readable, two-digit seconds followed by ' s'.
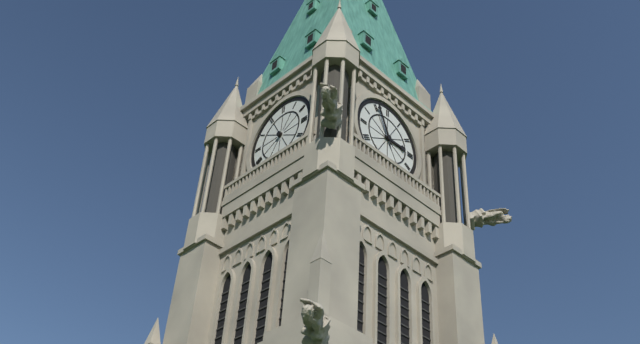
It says 2 h 56 min
